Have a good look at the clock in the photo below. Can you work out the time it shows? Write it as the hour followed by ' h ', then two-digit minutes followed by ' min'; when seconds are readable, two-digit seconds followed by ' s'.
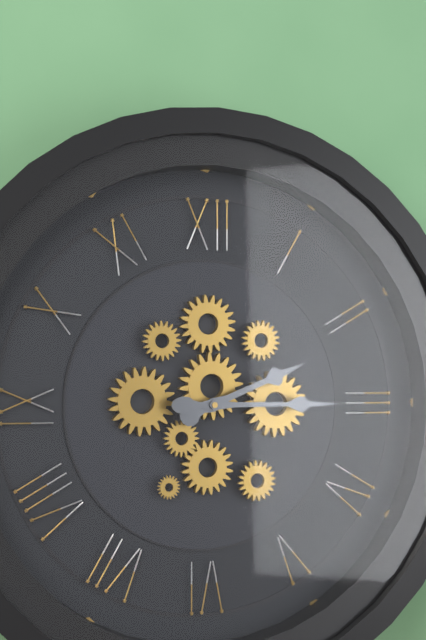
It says 2 h 15 min
